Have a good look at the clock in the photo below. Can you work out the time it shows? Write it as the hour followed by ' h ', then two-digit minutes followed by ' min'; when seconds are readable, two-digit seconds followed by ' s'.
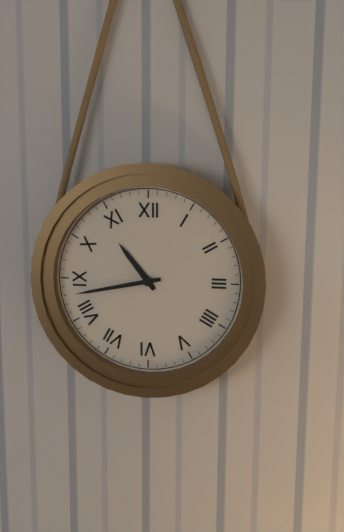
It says 10 h 43 min
